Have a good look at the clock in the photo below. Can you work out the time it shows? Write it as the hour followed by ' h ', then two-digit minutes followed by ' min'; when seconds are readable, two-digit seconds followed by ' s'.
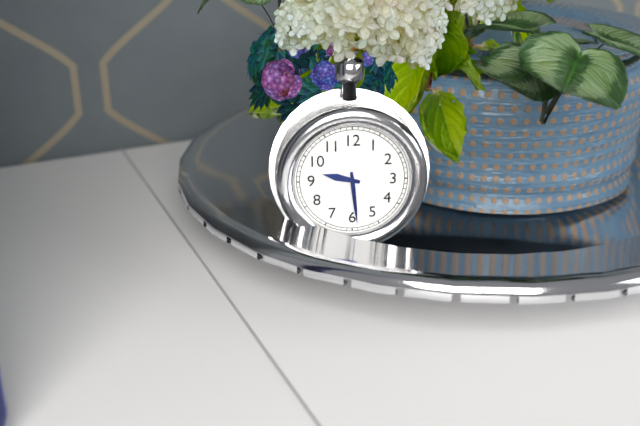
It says 9 h 29 min
